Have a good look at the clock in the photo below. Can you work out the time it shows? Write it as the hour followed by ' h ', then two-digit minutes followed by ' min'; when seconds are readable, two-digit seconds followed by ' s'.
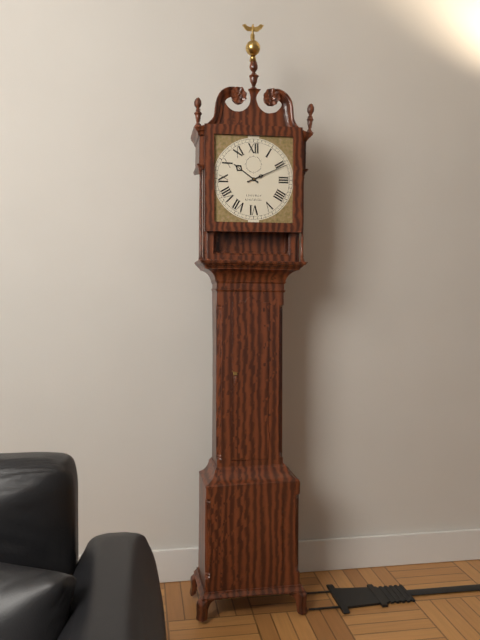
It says 10 h 11 min
